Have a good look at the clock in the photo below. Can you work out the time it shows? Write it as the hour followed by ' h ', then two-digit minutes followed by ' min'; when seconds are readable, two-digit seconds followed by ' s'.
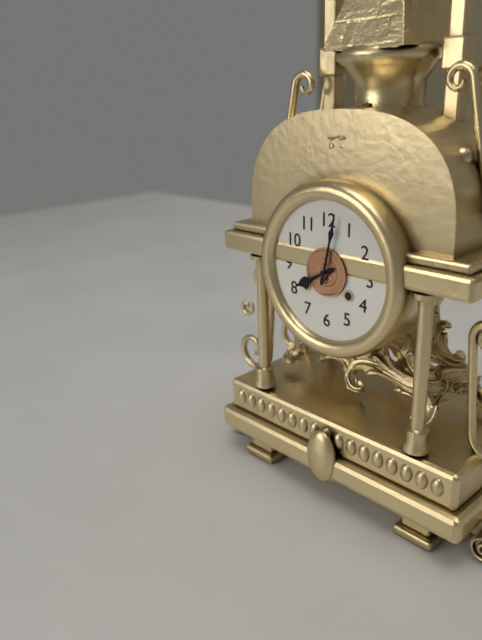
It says 8 h 02 min
